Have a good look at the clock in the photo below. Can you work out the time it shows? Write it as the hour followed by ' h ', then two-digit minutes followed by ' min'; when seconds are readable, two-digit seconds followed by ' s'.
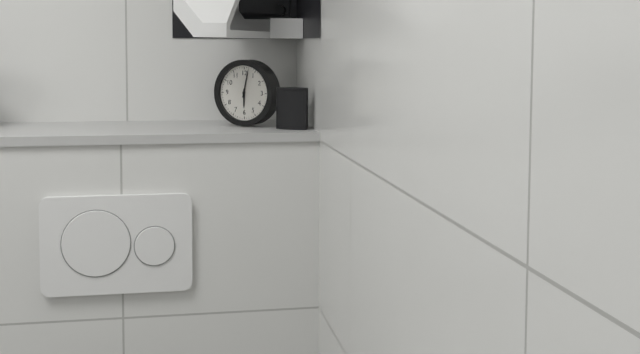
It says 6 h 02 min
